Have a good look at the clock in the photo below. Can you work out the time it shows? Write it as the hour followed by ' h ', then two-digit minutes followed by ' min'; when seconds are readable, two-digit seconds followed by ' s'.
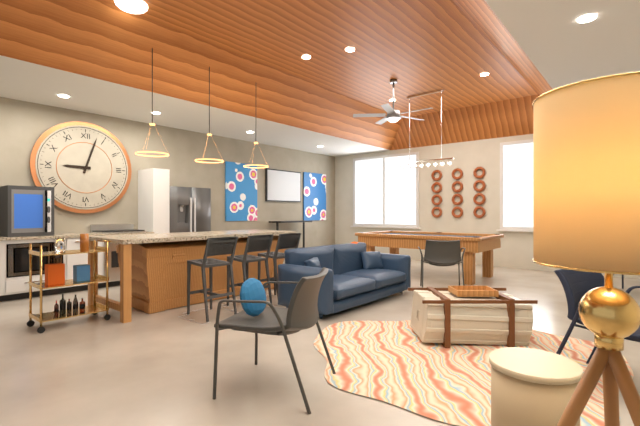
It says 9 h 03 min
